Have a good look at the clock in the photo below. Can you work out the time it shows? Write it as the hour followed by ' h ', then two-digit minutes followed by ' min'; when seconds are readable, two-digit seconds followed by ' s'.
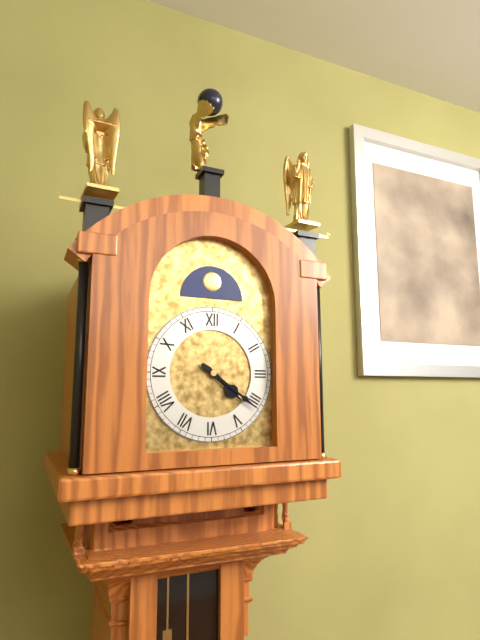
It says 4 h 21 min
